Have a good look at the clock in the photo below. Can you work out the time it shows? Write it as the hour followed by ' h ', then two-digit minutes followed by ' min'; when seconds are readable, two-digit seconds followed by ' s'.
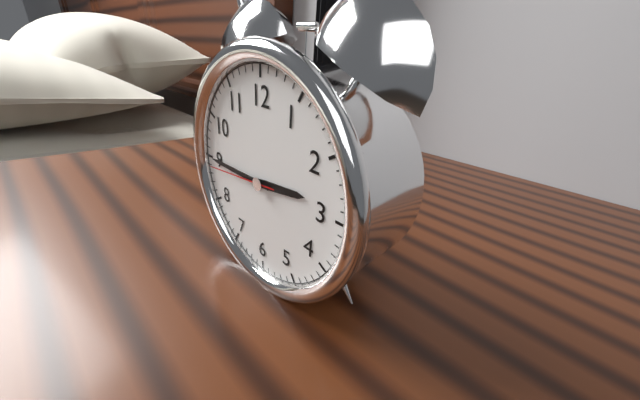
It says 2 h 45 min 44 s
